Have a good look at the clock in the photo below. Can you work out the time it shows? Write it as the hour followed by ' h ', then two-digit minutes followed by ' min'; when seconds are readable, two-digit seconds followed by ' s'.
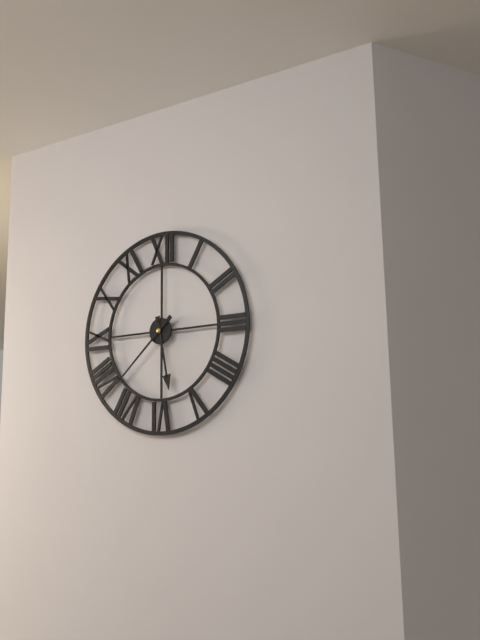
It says 5 h 38 min
